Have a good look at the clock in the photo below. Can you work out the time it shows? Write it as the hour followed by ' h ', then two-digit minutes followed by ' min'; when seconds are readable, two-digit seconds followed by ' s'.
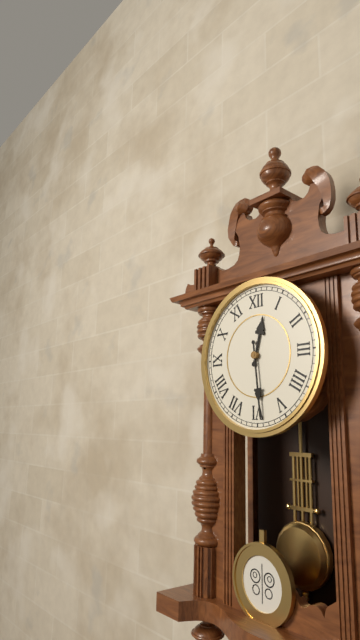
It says 12 h 29 min
